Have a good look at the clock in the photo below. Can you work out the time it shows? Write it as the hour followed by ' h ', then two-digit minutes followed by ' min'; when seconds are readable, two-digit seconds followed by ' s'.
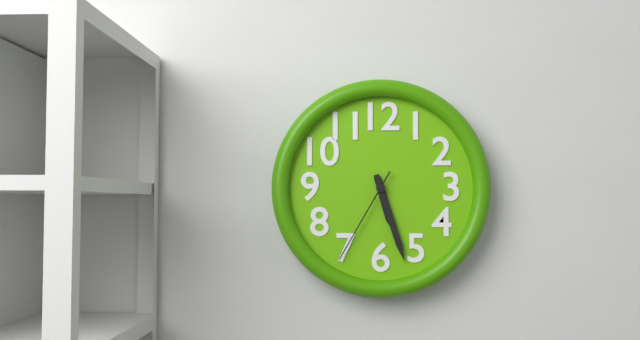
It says 5 h 27 min 35 s
